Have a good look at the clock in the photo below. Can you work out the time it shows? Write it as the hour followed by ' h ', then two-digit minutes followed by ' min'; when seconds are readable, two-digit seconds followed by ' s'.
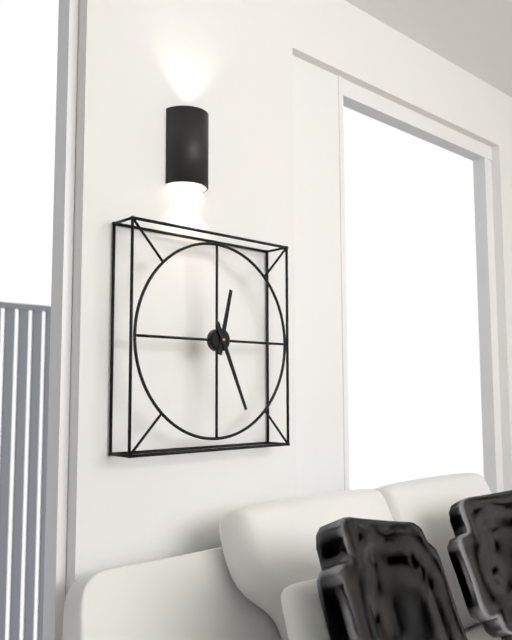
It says 12 h 26 min
